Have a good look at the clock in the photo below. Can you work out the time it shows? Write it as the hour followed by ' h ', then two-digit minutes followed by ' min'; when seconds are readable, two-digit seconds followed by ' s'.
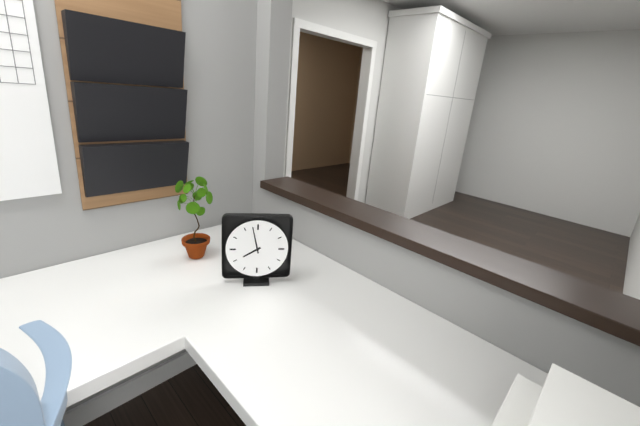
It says 7 h 58 min
